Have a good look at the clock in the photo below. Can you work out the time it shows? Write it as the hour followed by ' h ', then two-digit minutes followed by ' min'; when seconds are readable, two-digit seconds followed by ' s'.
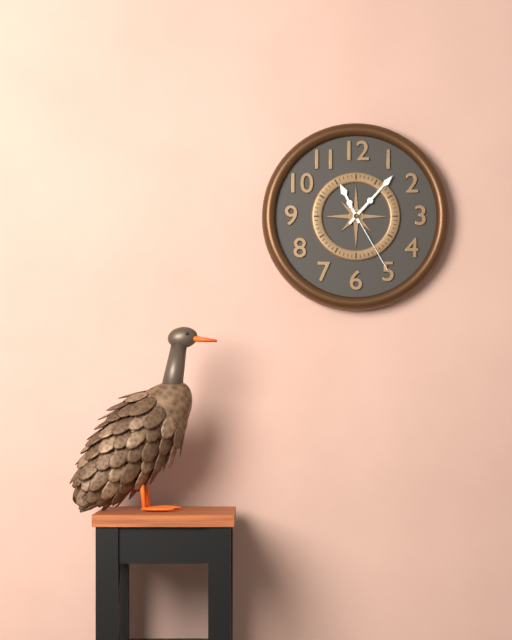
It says 11 h 07 min 25 s
